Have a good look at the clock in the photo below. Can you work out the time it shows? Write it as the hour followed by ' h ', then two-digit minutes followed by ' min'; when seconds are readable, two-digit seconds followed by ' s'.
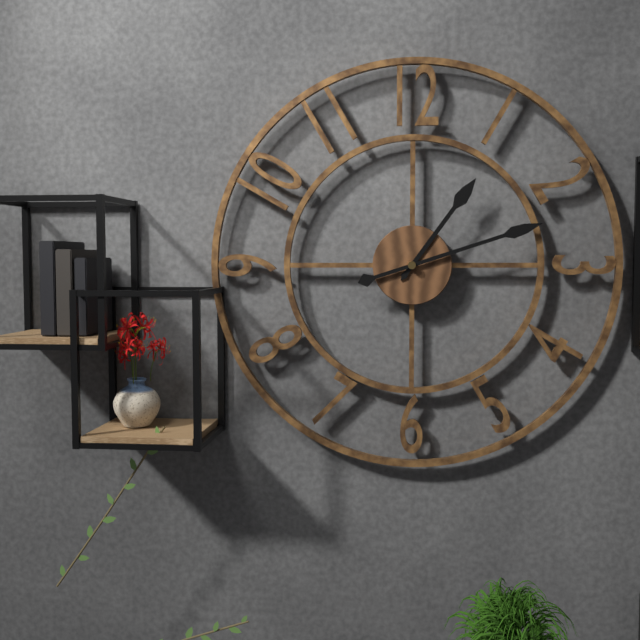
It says 1 h 12 min
